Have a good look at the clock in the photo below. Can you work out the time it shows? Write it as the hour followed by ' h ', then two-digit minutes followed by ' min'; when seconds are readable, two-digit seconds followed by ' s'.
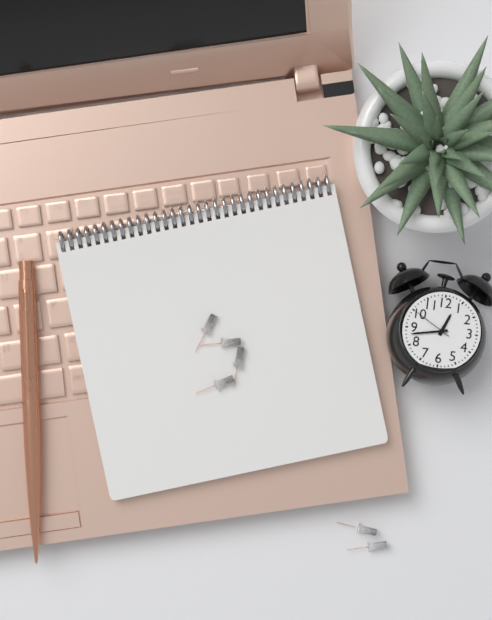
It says 12 h 43 min
